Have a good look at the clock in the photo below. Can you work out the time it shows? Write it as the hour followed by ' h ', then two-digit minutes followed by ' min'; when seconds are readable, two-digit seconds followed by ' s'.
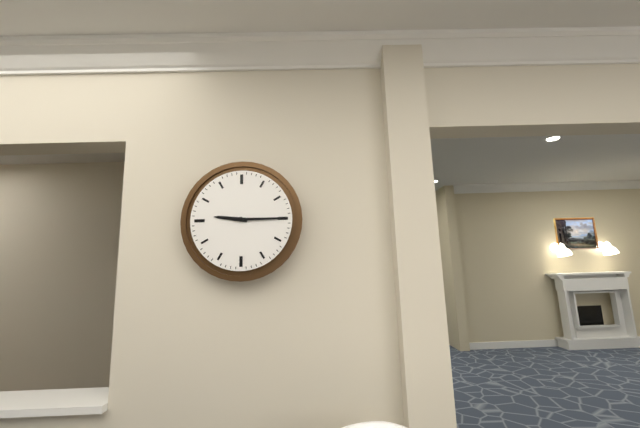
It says 9 h 15 min
